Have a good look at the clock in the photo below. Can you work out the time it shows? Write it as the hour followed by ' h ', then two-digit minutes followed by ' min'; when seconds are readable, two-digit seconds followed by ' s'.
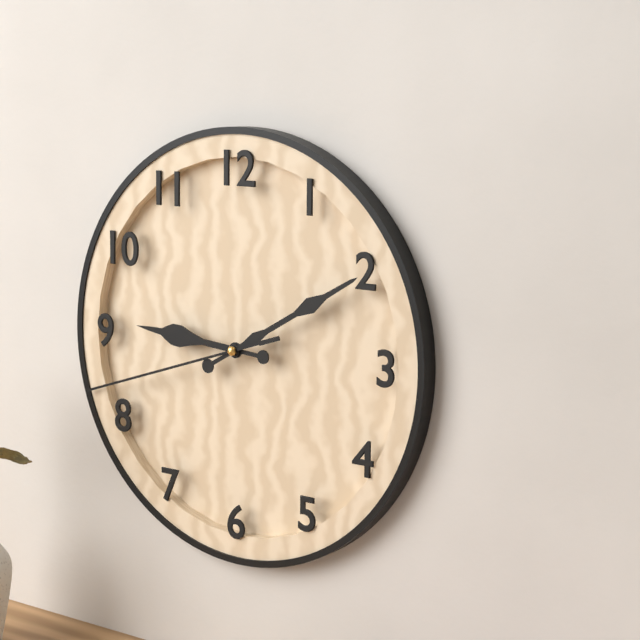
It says 9 h 10 min 42 s
